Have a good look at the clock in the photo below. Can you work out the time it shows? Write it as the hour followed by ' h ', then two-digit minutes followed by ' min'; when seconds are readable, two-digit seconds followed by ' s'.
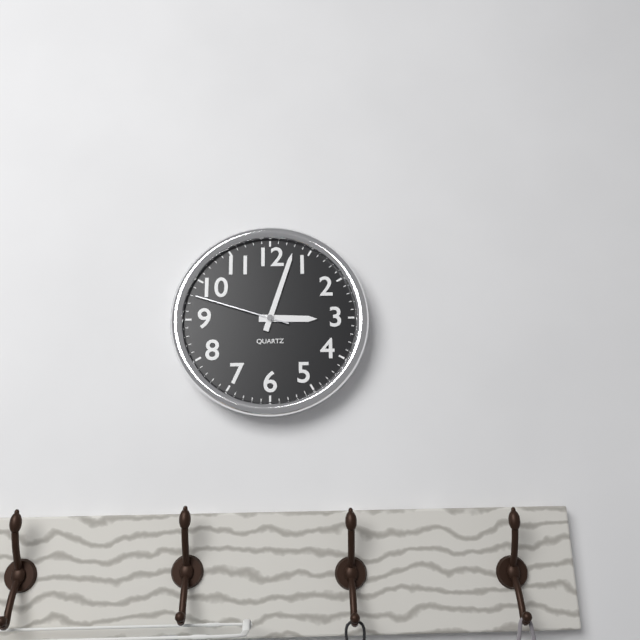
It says 3 h 03 min 48 s
